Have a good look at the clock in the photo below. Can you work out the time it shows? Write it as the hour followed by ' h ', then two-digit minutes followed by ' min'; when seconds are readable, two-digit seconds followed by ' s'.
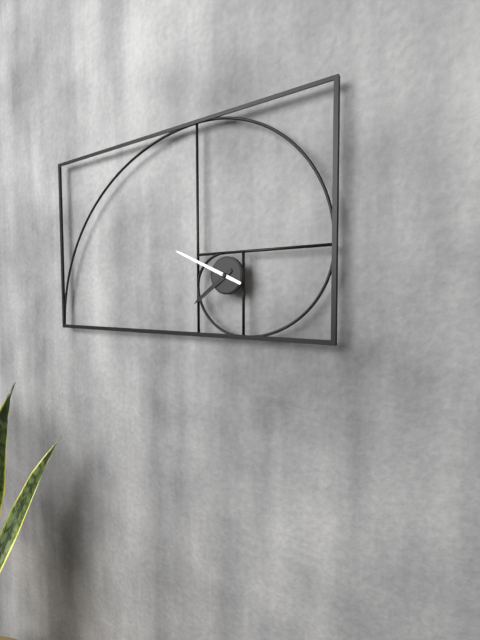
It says 7 h 49 min
